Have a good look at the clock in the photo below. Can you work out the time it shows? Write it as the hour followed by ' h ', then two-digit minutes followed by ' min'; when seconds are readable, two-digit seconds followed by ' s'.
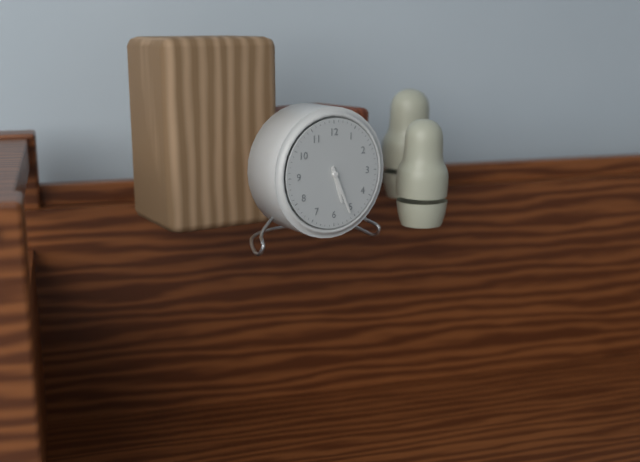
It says 5 h 26 min
